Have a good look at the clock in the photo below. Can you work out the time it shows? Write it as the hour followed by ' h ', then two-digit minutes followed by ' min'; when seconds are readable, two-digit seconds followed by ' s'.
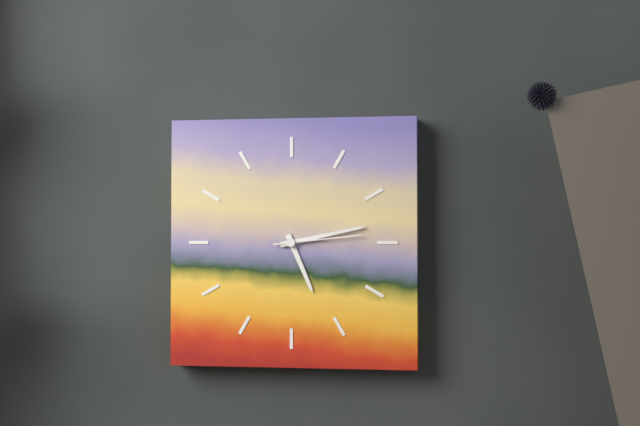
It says 5 h 13 min 14 s
